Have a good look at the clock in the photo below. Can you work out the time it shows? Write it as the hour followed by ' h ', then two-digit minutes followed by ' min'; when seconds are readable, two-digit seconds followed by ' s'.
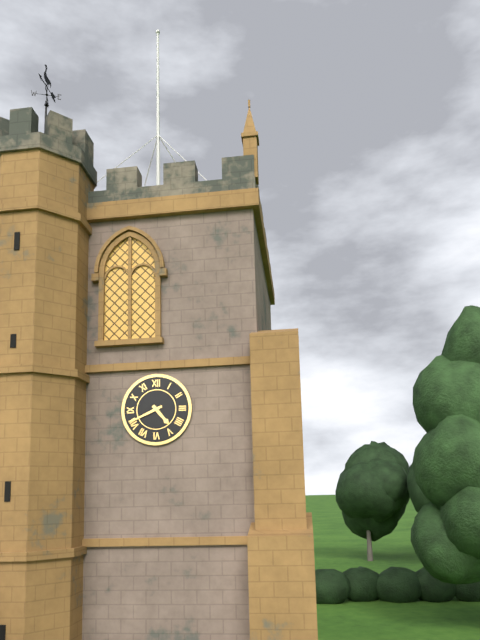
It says 4 h 41 min
